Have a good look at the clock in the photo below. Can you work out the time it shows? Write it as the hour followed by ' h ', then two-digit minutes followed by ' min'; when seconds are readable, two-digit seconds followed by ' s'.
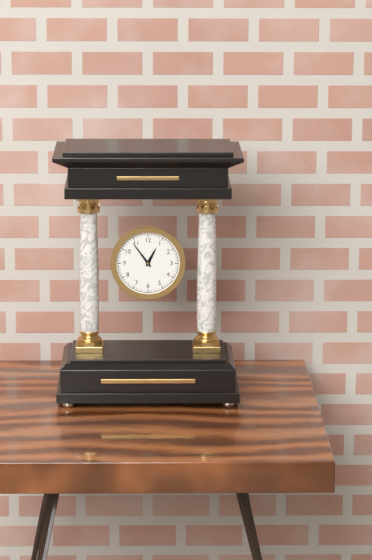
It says 12 h 54 min
